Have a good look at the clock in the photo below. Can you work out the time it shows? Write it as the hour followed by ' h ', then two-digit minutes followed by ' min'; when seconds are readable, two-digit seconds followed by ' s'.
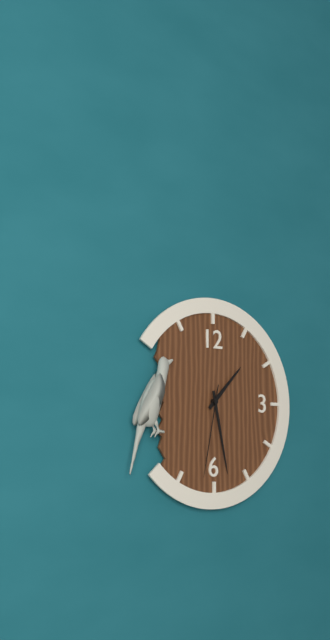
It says 1 h 28 min 32 s
